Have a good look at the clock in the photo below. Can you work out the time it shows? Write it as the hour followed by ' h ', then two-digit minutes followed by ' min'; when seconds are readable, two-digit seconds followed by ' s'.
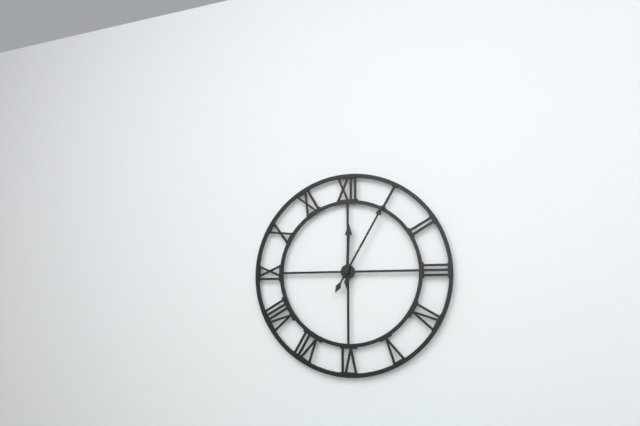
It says 12 h 05 min
